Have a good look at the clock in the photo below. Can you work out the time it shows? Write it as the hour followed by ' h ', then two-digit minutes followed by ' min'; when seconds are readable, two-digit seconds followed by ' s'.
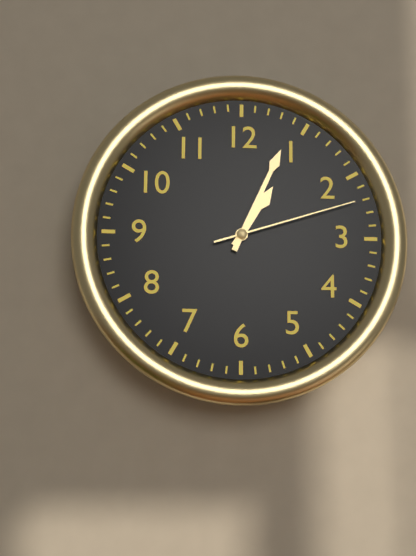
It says 1 h 04 min 12 s
